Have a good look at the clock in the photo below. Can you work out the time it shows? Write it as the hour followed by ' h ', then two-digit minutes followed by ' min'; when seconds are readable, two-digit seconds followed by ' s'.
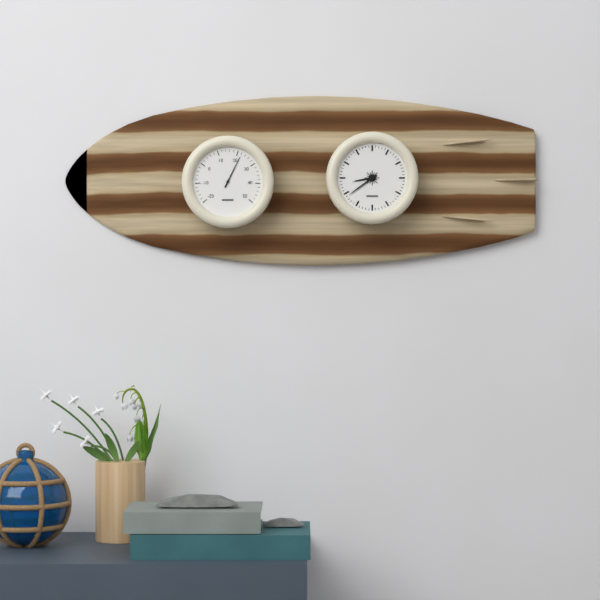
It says 8 h 39 min
